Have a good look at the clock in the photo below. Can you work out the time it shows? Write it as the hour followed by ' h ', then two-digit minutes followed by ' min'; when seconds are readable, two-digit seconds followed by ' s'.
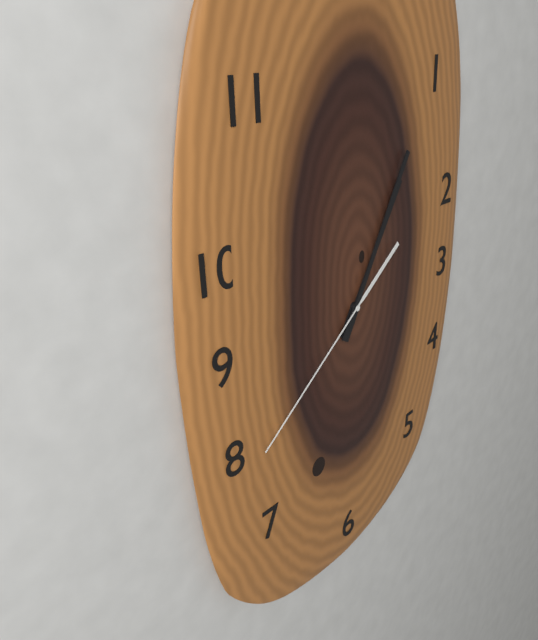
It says 1 h 05 min 39 s
